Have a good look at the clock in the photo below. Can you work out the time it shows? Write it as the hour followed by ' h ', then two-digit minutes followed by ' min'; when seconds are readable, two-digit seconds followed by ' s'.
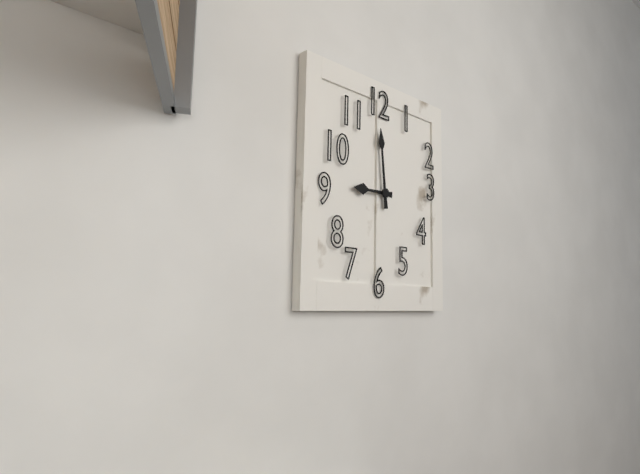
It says 8 h 59 min
